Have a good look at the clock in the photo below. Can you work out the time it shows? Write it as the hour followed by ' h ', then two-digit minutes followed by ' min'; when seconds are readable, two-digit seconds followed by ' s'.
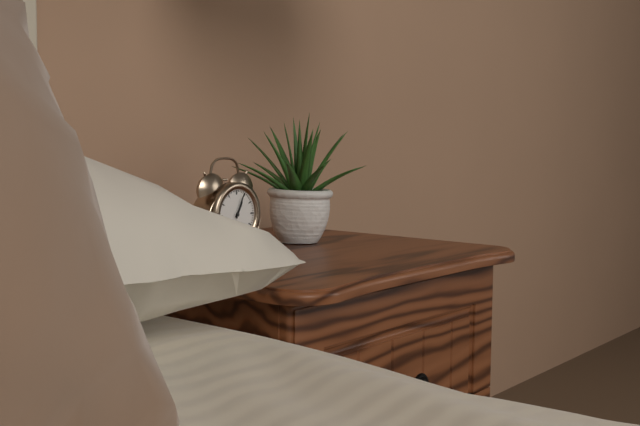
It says 1 h 04 min
